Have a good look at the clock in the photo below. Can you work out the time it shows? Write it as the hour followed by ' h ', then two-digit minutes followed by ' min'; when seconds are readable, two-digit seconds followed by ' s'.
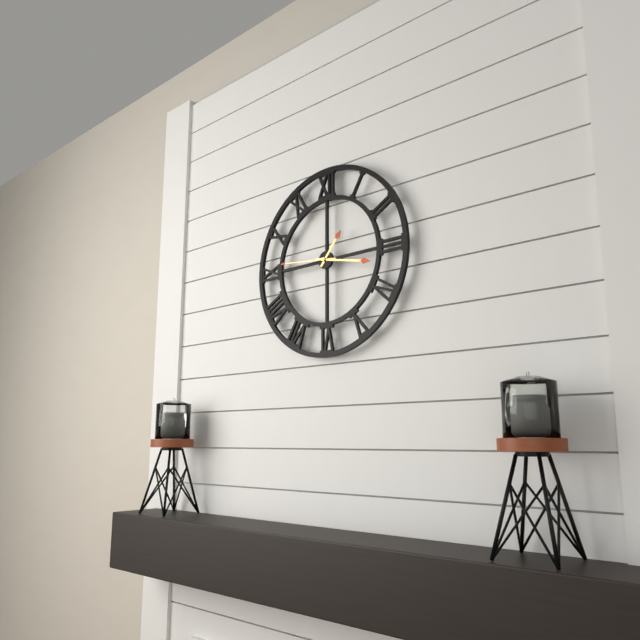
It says 1 h 17 min 46 s
